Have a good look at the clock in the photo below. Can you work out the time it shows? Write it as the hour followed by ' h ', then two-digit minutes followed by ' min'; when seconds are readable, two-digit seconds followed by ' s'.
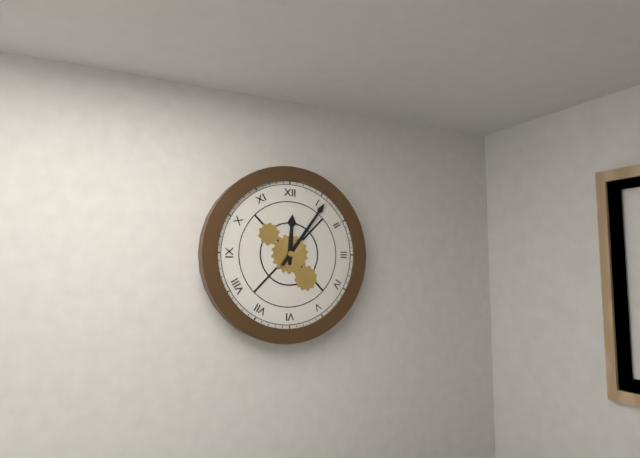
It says 12 h 06 min
